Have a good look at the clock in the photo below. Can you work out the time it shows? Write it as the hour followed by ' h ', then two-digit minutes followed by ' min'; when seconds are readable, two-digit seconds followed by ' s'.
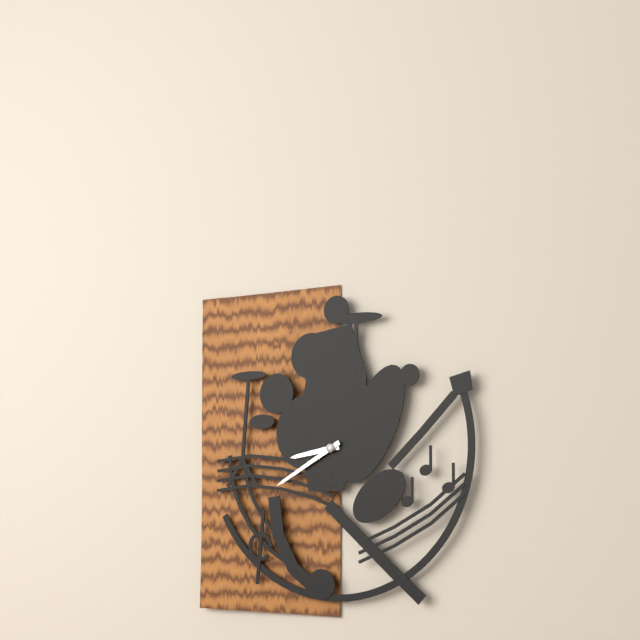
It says 8 h 40 min
